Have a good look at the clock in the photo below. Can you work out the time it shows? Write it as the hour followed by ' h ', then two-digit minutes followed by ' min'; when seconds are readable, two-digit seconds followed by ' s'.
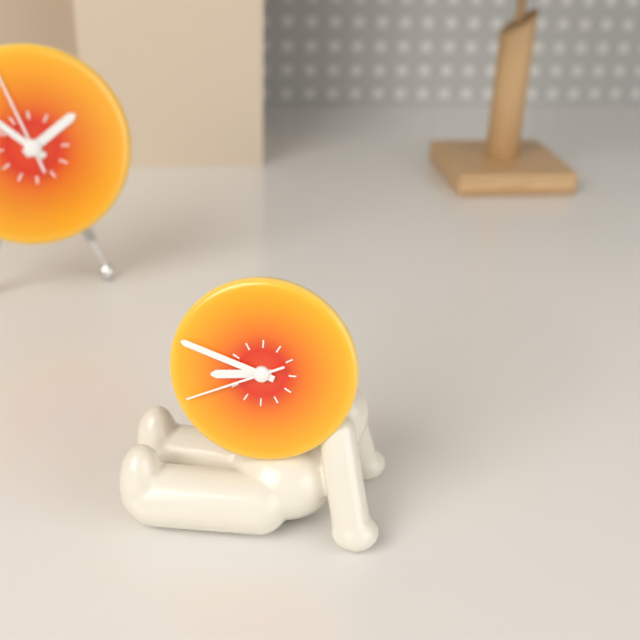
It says 8 h 48 min 41 s
